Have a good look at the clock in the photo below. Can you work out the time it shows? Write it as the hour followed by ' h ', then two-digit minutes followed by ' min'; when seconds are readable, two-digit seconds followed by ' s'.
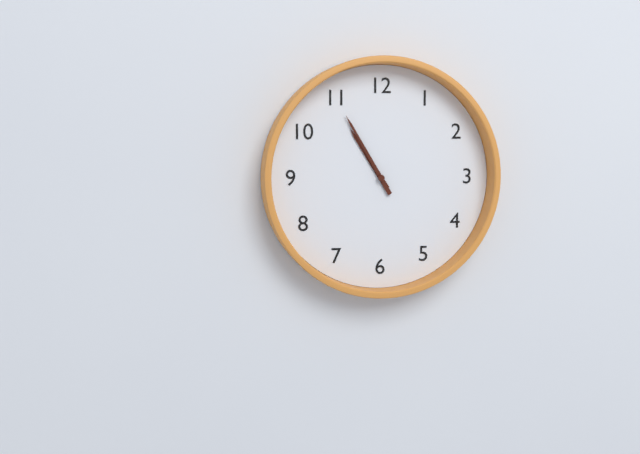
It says 10 h 55 min
